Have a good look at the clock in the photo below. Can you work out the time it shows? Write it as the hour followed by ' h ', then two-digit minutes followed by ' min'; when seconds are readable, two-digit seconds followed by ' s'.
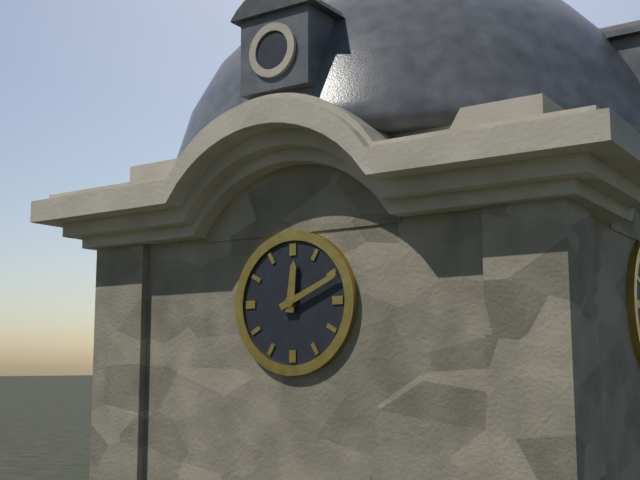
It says 12 h 11 min
